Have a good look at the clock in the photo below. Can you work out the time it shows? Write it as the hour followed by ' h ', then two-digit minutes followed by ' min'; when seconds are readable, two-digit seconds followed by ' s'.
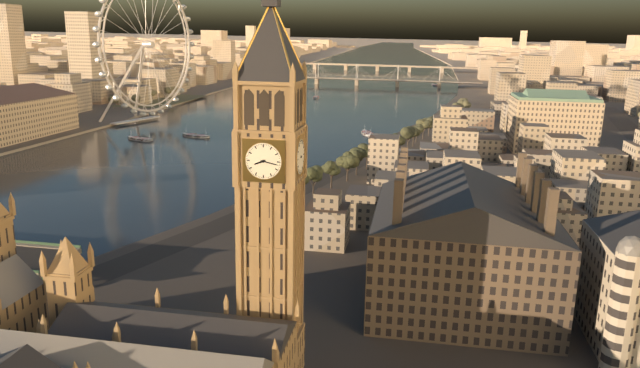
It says 8 h 17 min
